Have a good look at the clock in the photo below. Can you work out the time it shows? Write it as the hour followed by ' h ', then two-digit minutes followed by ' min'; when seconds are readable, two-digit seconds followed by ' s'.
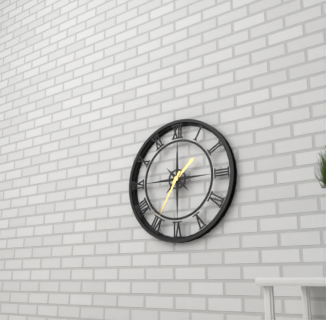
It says 1 h 35 min
